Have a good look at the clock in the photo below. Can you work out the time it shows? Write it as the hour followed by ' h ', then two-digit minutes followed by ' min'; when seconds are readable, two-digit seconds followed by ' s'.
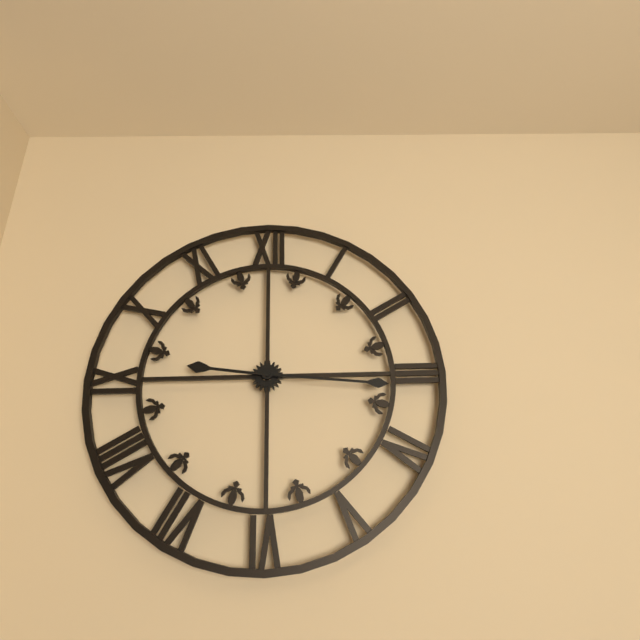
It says 9 h 16 min
